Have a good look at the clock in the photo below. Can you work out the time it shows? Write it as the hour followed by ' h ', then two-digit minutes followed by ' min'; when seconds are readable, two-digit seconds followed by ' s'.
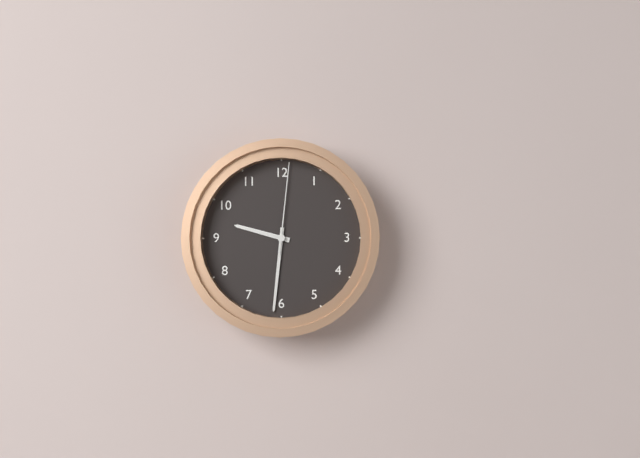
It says 9 h 31 min 01 s
